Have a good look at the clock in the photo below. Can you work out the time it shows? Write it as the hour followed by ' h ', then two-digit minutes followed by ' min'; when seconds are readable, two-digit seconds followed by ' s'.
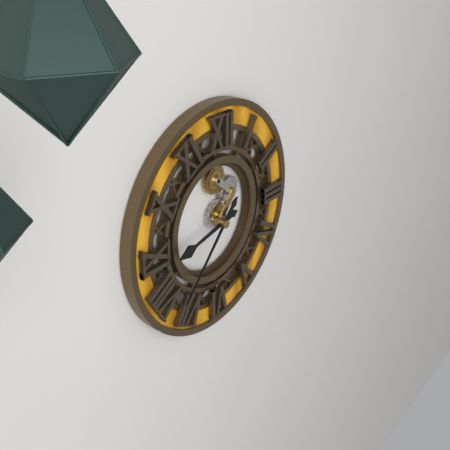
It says 8 h 37 min
